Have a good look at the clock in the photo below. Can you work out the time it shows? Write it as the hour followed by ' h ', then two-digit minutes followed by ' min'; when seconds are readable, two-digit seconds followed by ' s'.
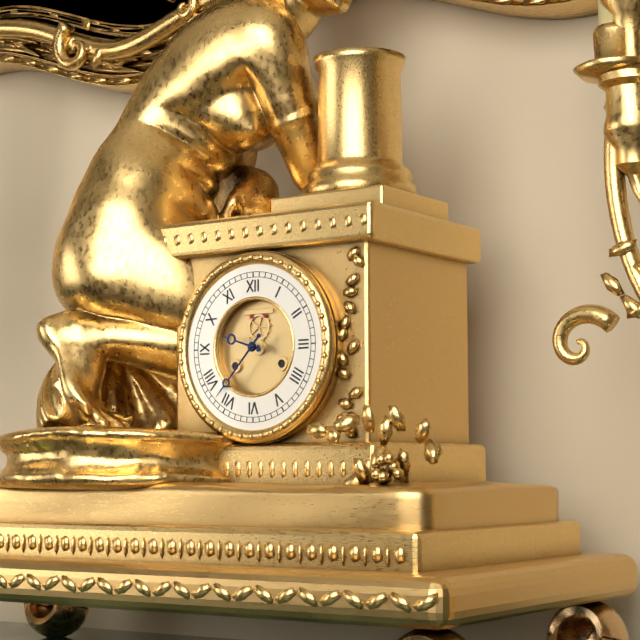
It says 9 h 37 min
